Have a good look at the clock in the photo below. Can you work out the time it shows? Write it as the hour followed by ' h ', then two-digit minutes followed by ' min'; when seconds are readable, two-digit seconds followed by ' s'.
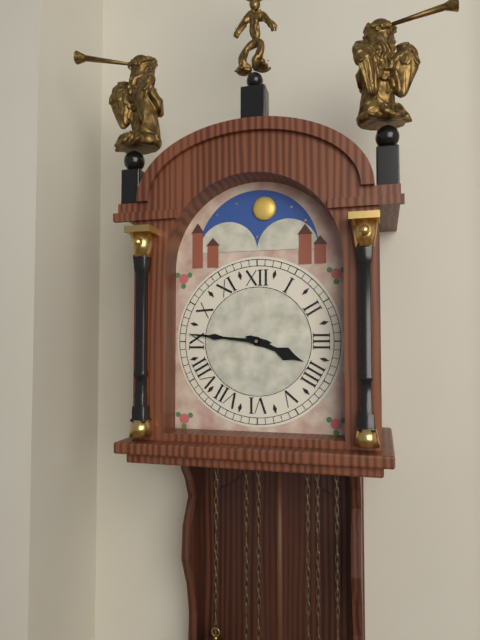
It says 3 h 46 min
